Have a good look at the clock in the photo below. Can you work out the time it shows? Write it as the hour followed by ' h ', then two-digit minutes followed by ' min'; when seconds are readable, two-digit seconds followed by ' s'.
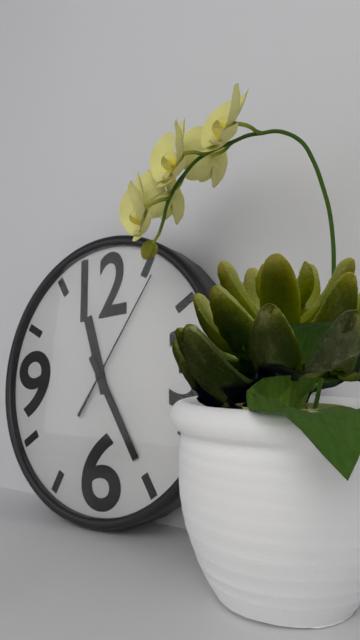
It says 11 h 25 min 06 s
